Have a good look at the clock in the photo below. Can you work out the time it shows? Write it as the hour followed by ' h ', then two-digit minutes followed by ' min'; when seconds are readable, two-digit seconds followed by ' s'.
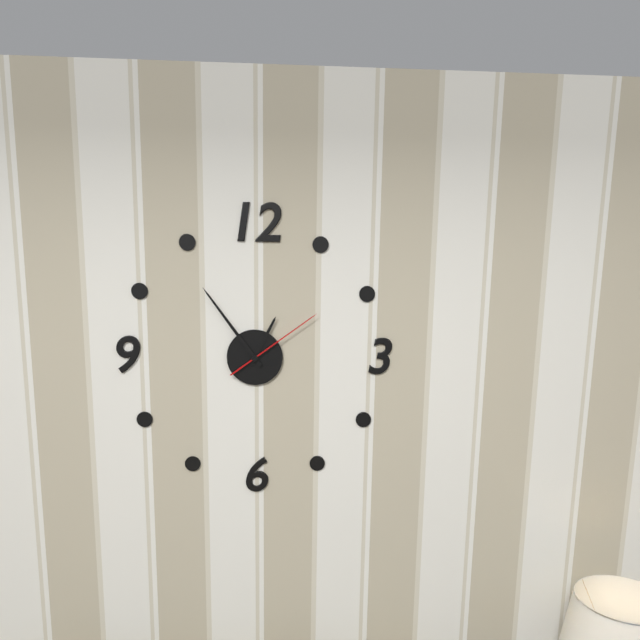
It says 12 h 54 min 09 s
